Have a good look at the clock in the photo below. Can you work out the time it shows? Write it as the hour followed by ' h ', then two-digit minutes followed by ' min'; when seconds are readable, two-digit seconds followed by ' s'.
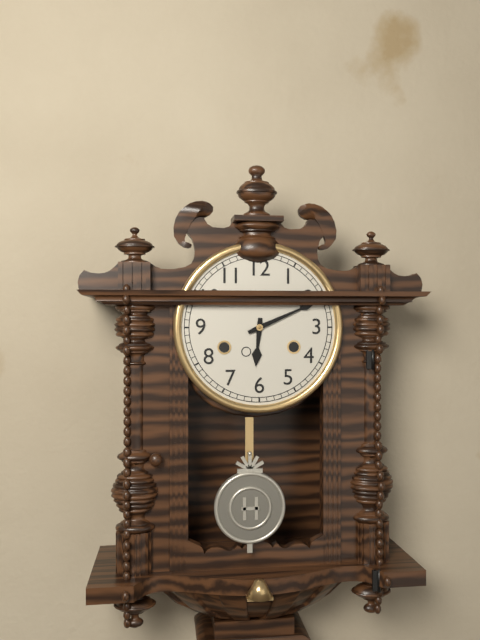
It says 6 h 11 min
